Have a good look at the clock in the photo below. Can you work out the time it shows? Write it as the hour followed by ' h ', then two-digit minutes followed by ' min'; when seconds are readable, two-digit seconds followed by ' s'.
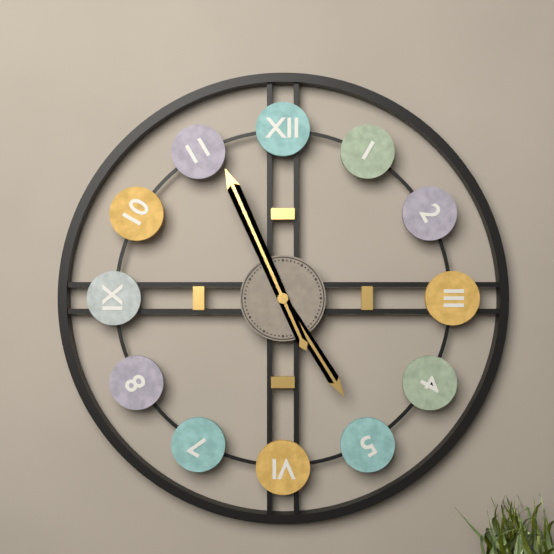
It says 4 h 56 min
